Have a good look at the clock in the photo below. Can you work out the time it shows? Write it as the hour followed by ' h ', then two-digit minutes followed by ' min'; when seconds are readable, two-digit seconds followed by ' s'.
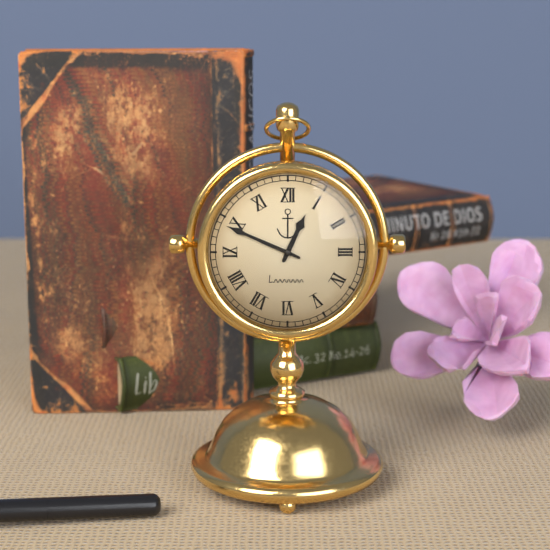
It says 12 h 49 min
